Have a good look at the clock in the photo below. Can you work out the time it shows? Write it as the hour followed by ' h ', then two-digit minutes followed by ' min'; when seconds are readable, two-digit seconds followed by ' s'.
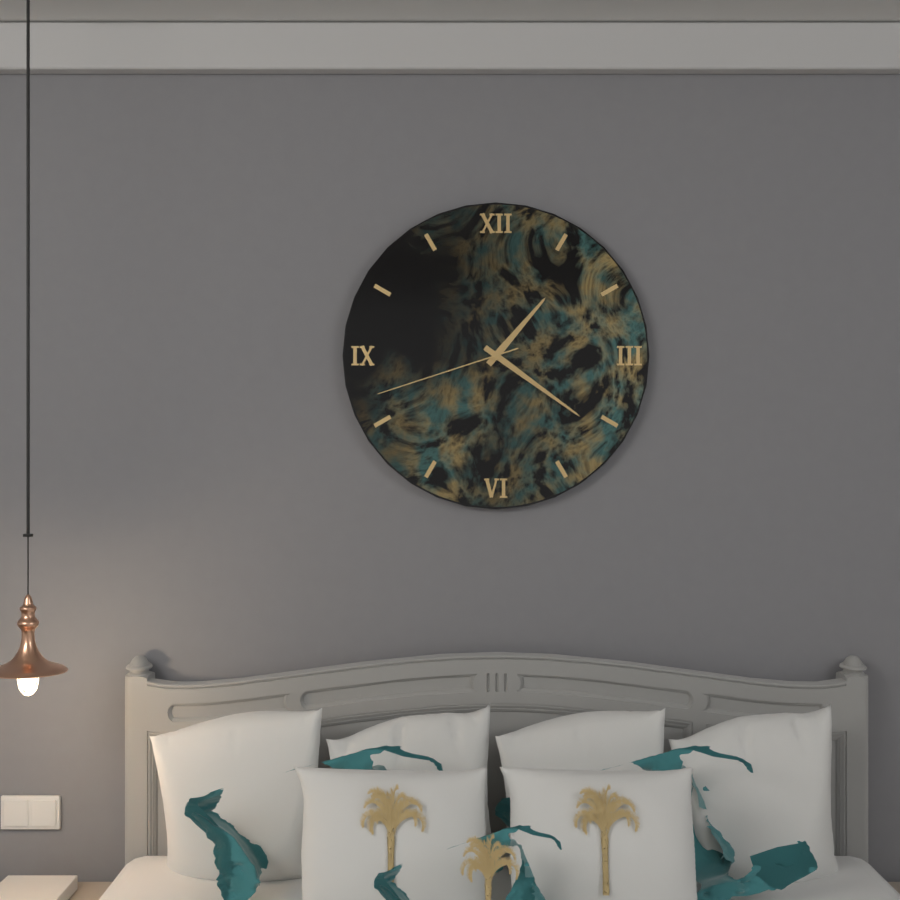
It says 1 h 21 min 42 s
